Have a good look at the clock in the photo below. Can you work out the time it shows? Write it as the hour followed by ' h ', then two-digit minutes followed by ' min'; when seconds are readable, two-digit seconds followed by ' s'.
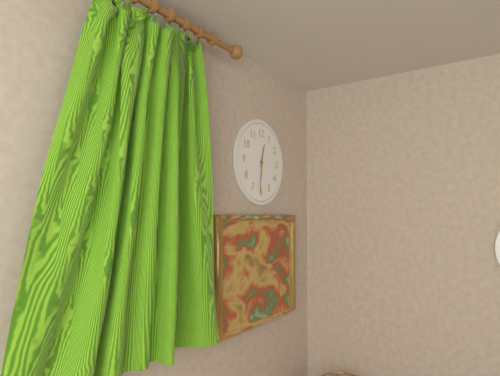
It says 12 h 31 min
